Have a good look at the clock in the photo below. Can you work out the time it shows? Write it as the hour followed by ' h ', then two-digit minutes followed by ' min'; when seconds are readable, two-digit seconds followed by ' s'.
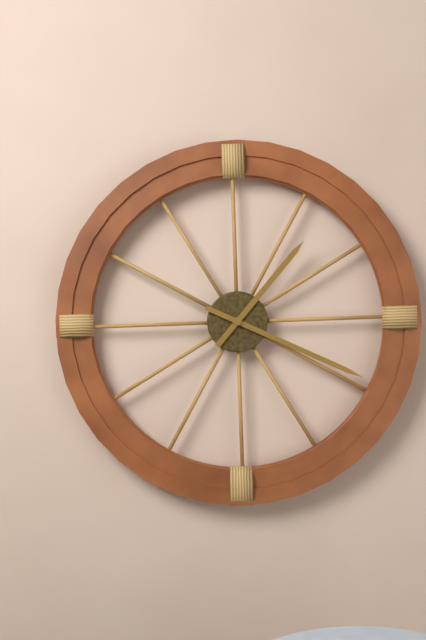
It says 1 h 19 min
